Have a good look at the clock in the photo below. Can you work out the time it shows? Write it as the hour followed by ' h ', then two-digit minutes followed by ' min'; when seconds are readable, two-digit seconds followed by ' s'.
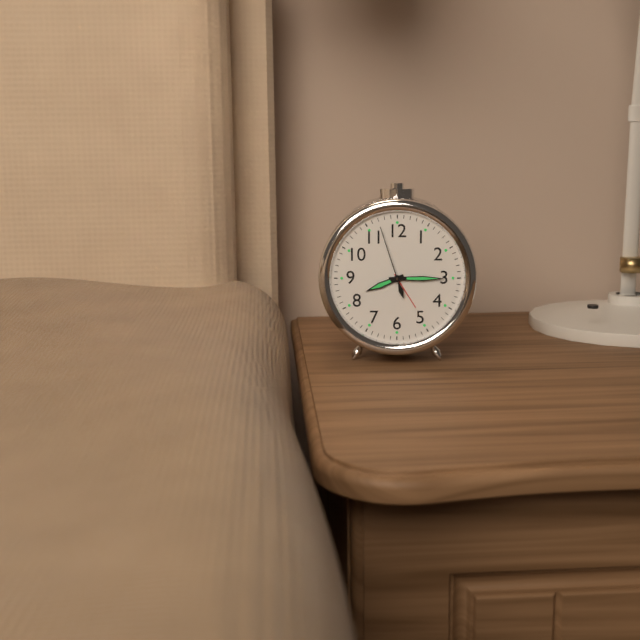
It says 8 h 15 min 57 s
